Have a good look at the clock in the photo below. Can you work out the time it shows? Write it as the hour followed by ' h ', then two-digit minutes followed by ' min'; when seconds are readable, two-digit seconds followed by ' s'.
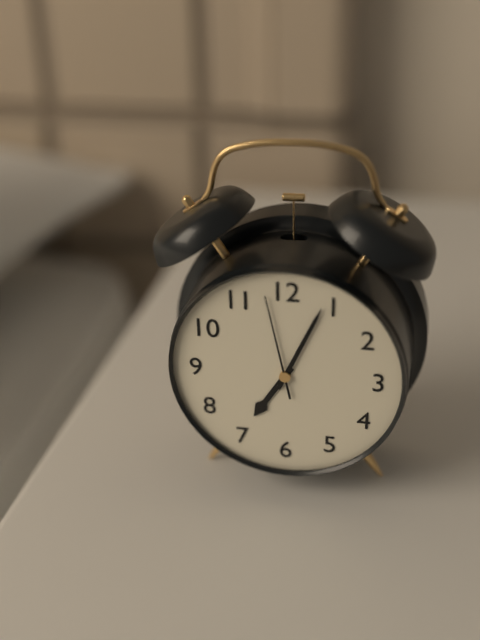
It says 7 h 04 min 58 s
